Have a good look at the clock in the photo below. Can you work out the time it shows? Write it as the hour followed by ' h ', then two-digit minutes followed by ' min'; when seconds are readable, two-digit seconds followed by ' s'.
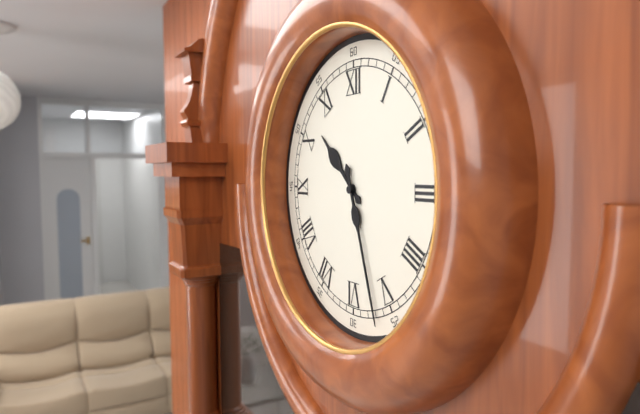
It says 10 h 27 min
